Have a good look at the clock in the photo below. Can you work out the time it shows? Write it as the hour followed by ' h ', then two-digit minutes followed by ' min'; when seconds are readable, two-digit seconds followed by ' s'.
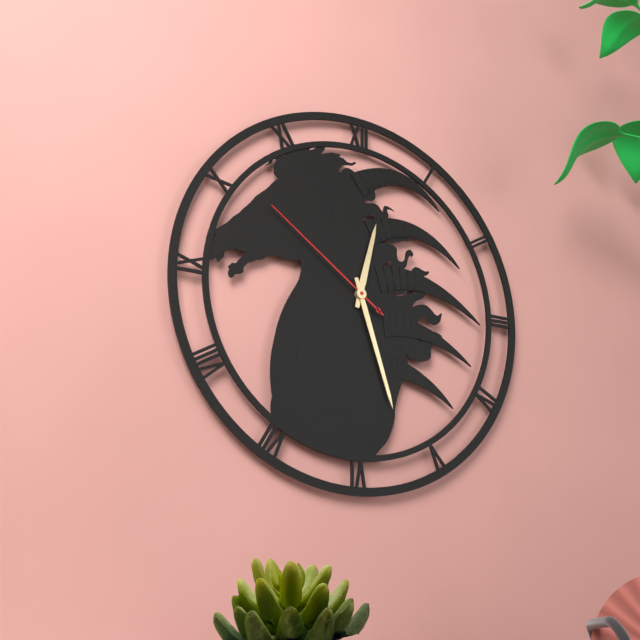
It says 12 h 27 min 51 s
